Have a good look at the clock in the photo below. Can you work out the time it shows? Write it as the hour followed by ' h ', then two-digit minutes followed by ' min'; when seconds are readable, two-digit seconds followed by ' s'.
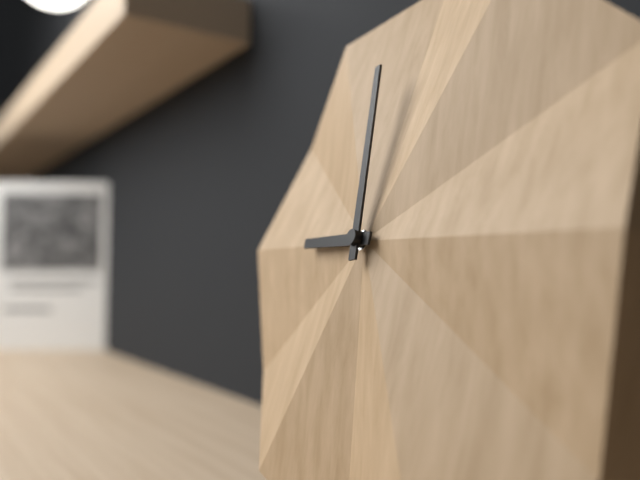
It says 8 h 59 min
